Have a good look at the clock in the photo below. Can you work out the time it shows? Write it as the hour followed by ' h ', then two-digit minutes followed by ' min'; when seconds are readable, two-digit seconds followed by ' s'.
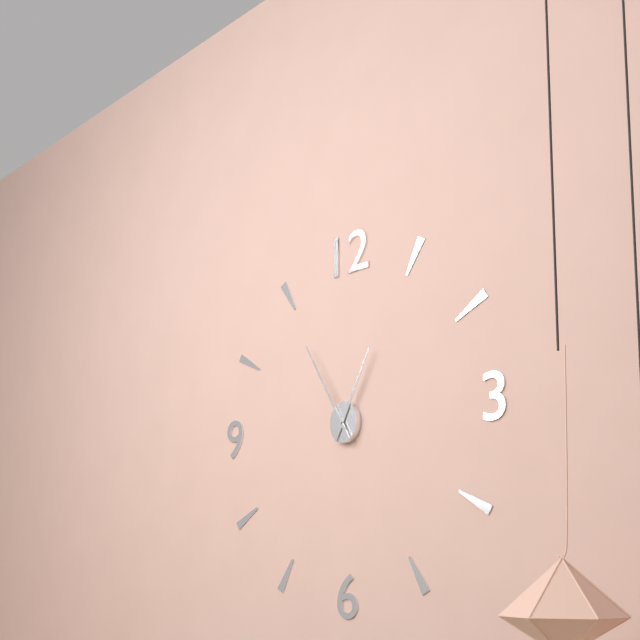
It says 12 h 55 min
